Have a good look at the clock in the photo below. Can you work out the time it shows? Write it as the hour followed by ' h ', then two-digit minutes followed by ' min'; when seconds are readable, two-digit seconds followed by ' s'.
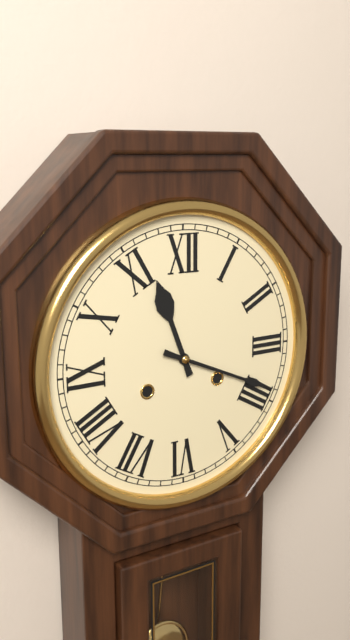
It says 11 h 19 min
